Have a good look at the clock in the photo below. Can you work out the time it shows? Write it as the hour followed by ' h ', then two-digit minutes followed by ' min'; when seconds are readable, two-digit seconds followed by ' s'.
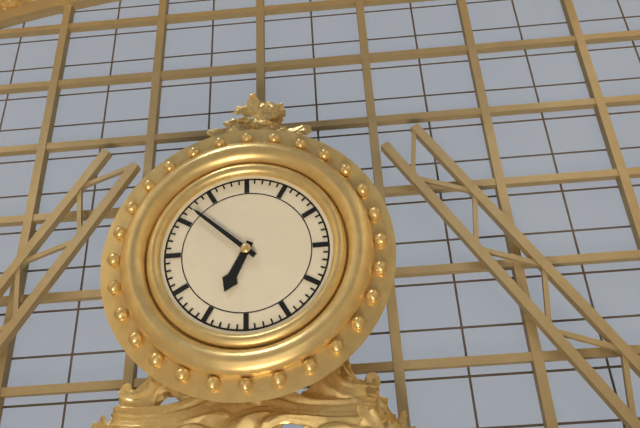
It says 6 h 52 min
